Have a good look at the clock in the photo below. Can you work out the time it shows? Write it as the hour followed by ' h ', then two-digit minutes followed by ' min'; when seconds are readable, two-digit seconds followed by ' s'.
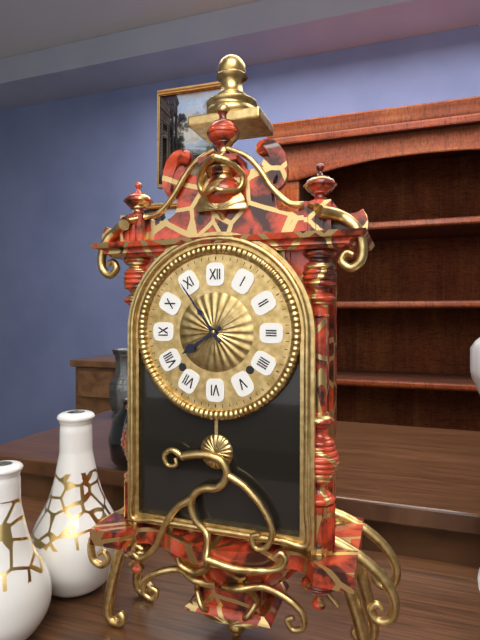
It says 7 h 54 min
